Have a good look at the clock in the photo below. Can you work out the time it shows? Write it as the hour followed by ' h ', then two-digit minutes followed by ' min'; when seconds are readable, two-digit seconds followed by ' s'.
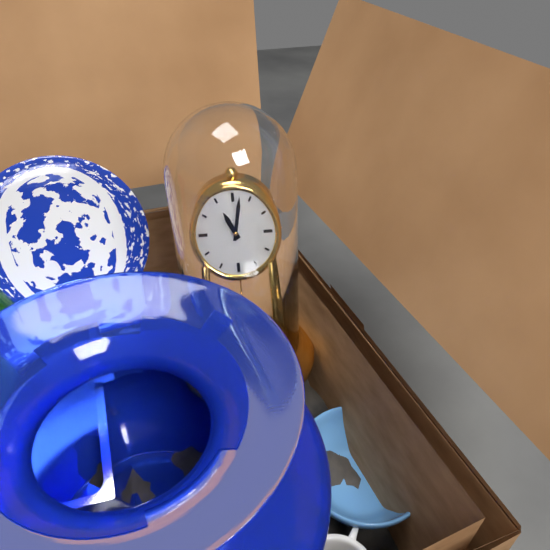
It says 11 h 02 min
